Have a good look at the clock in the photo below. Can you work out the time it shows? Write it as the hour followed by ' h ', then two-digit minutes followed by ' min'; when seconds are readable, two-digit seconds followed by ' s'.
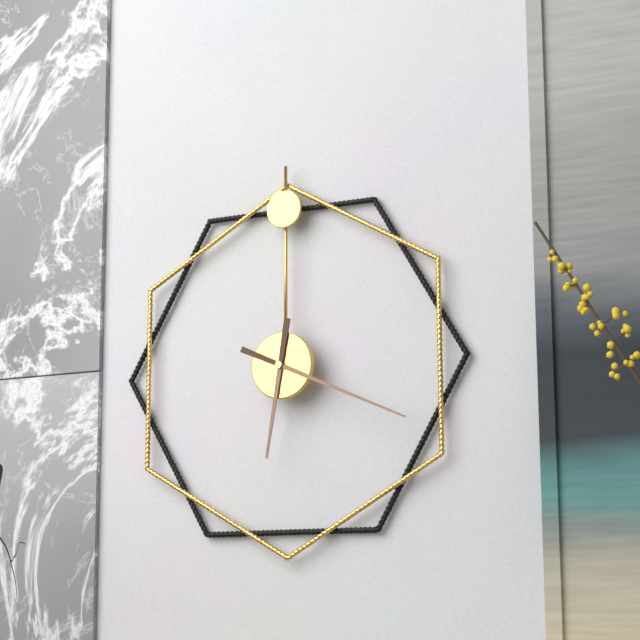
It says 6 h 19 min
